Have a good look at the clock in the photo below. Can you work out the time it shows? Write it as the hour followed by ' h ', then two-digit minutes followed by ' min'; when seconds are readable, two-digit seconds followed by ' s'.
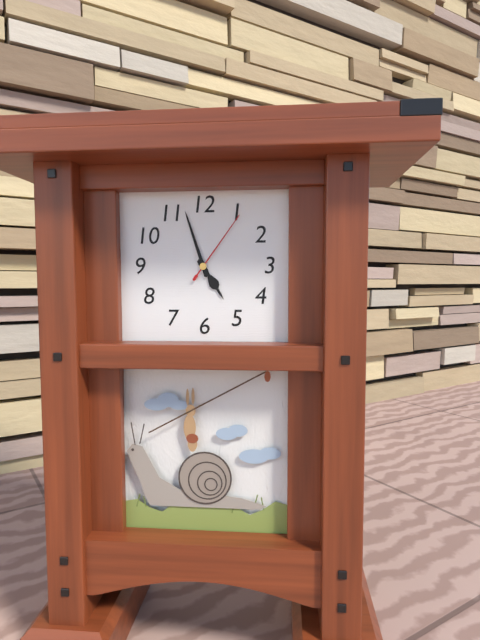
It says 4 h 57 min 06 s
